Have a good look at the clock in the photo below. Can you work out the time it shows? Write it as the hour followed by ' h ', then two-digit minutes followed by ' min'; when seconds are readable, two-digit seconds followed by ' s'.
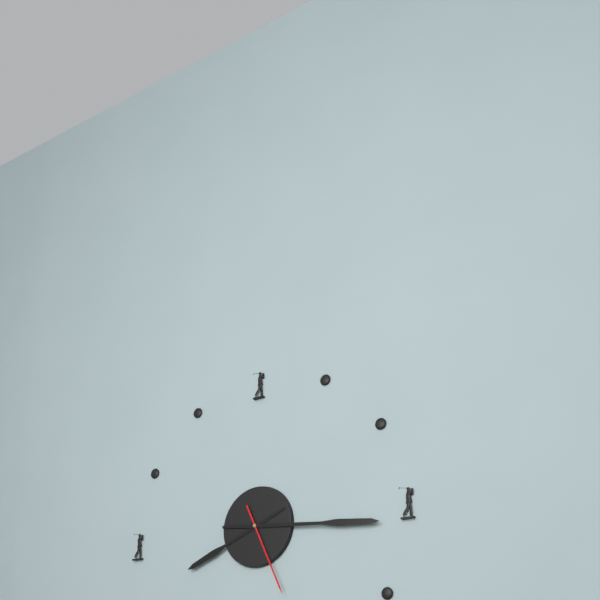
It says 8 h 16 min 26 s
